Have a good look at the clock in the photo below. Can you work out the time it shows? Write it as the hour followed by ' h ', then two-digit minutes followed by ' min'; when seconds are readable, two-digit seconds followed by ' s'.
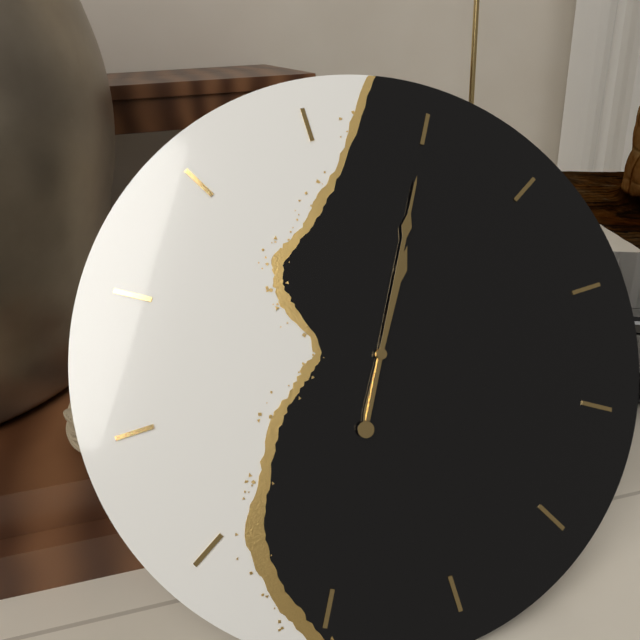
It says 1 h 05 min
